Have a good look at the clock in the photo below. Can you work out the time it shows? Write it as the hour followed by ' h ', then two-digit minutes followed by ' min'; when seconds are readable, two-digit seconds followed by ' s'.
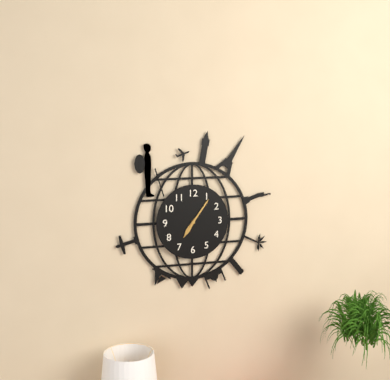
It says 7 h 06 min
